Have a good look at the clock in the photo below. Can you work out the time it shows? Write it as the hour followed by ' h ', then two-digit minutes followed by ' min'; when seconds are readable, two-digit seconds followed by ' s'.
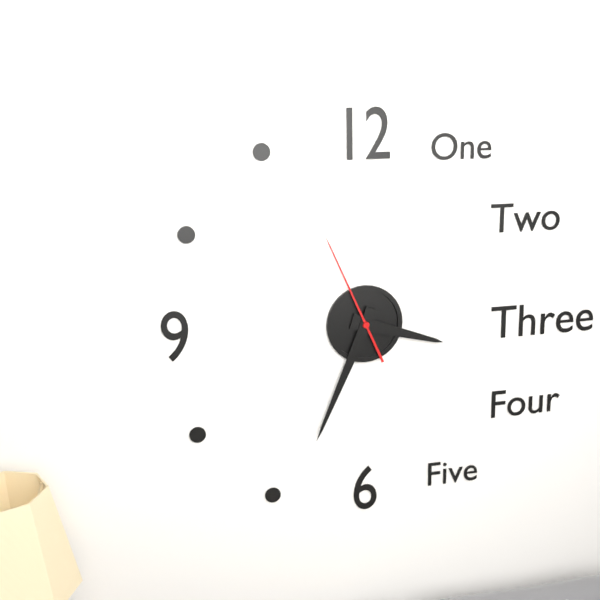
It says 3 h 34 min 56 s
